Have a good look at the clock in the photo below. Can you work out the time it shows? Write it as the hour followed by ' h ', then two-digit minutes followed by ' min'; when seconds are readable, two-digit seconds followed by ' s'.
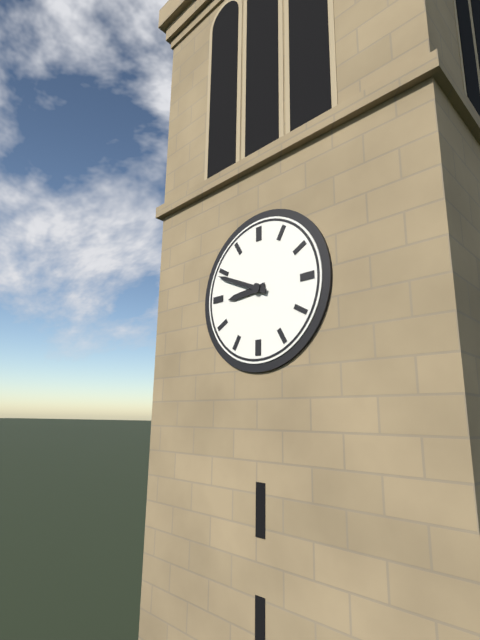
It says 8 h 49 min
